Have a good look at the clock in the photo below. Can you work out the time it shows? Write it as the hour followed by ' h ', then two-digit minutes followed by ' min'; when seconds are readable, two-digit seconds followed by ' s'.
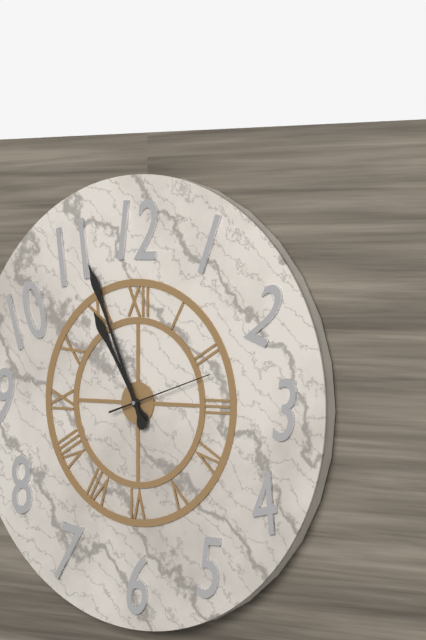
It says 10 h 56 min 12 s
